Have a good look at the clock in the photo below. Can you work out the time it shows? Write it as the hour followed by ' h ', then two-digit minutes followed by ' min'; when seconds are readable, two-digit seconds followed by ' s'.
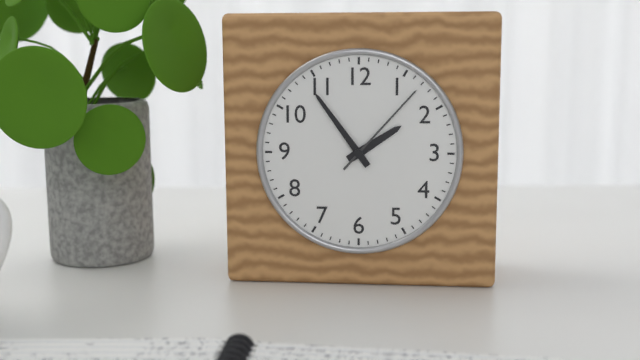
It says 1 h 54 min 07 s
